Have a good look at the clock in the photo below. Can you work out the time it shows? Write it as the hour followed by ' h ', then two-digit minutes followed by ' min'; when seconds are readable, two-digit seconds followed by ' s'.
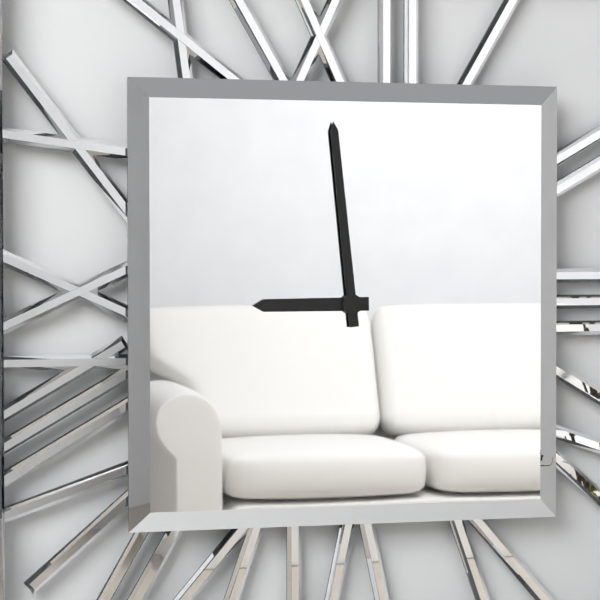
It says 8 h 59 min
